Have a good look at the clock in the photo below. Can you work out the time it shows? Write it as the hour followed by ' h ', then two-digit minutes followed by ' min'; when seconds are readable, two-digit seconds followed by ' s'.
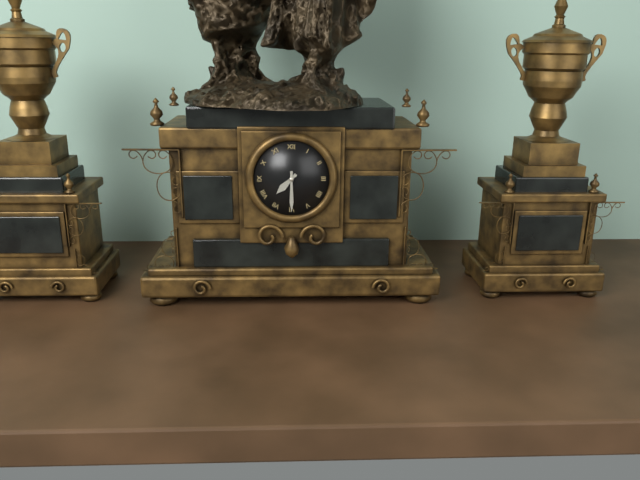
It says 7 h 30 min
